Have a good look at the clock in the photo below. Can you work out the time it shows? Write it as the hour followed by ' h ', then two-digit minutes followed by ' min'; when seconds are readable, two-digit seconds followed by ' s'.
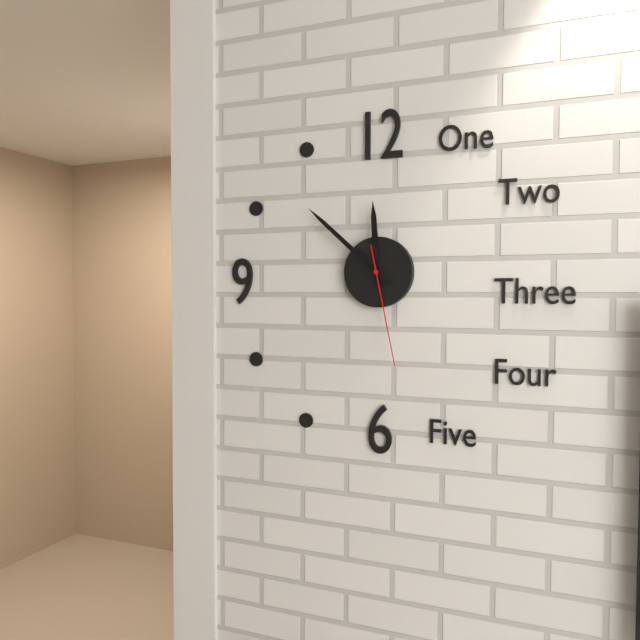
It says 11 h 52 min 28 s
